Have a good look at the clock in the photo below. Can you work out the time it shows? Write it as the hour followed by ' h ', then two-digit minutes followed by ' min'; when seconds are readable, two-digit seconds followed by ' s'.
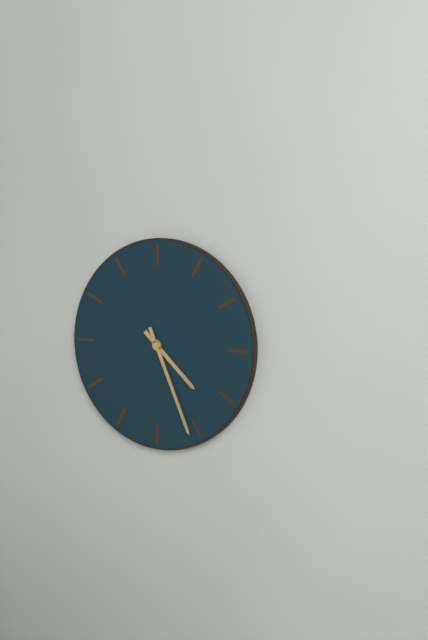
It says 4 h 26 min
